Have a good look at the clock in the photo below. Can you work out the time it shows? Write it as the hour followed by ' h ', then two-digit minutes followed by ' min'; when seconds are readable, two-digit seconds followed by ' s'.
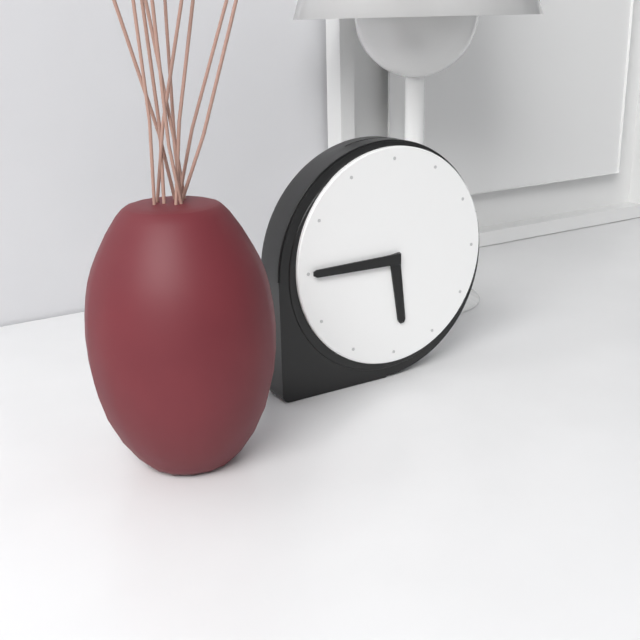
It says 5 h 45 min
